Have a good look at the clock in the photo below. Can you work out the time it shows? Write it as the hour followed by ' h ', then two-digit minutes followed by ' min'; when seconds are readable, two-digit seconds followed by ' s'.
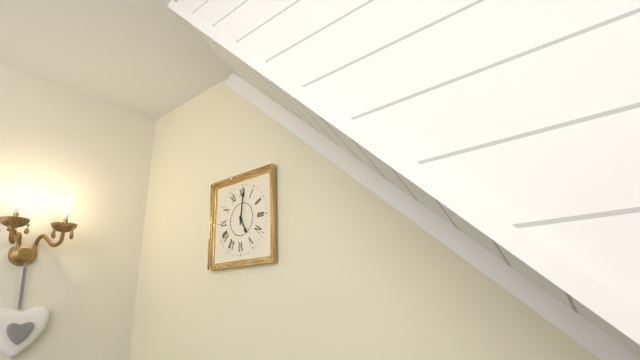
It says 5 h 01 min
